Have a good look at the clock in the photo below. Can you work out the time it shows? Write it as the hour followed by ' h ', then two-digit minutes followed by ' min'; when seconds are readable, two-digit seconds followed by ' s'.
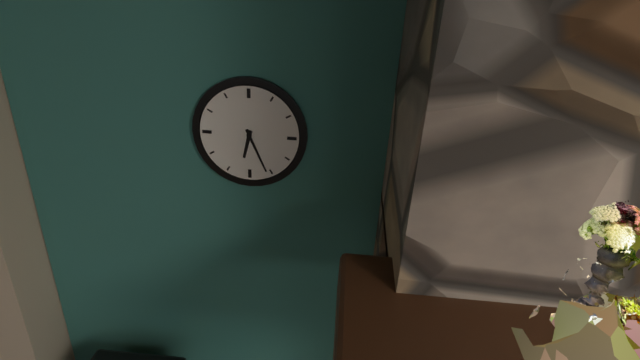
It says 6 h 26 min
